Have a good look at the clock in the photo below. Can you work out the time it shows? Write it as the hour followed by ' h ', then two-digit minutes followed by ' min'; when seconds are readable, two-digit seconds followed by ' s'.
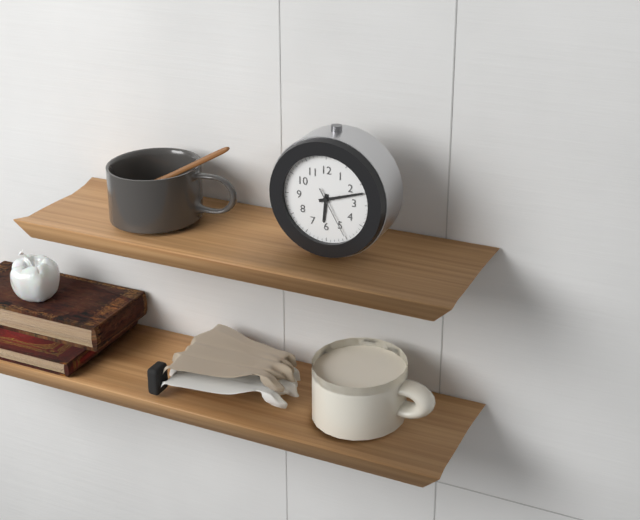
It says 6 h 12 min 25 s
